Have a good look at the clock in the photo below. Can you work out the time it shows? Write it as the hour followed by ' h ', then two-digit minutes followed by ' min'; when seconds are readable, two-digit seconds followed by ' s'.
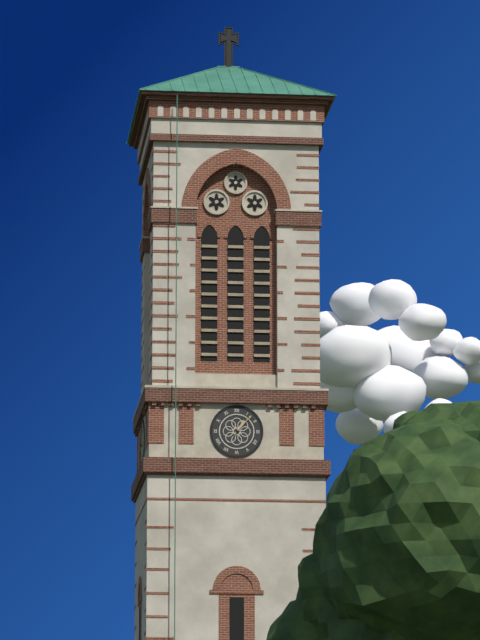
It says 1 h 07 min
